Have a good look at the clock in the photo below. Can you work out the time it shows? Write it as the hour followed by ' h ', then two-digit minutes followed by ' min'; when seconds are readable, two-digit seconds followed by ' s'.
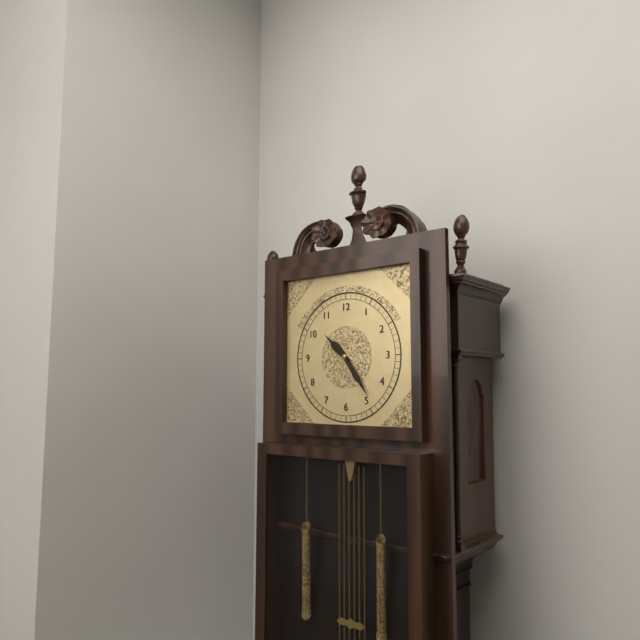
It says 10 h 24 min
